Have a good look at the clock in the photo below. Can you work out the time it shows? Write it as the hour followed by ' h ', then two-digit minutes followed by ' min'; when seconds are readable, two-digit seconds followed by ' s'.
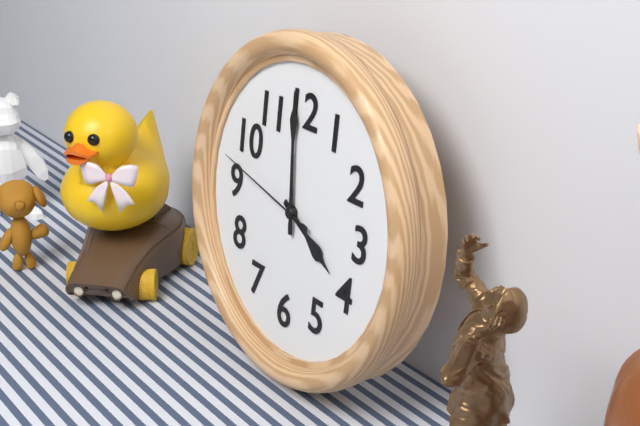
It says 3 h 59 min 47 s
